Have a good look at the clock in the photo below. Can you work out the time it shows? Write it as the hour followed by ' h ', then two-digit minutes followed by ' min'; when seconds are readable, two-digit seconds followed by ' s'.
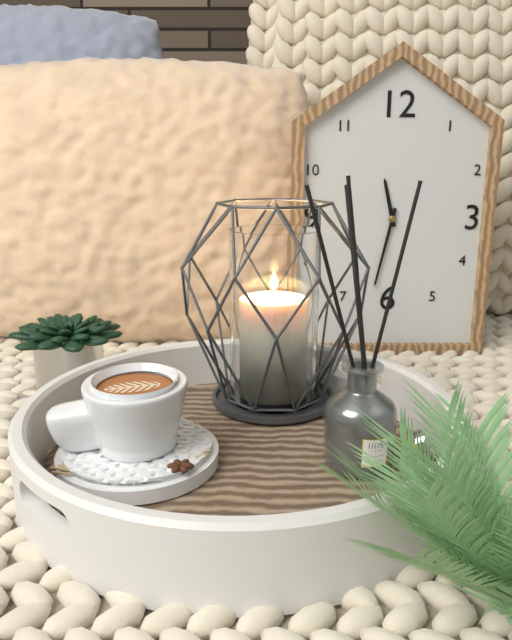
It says 11 h 32 min
